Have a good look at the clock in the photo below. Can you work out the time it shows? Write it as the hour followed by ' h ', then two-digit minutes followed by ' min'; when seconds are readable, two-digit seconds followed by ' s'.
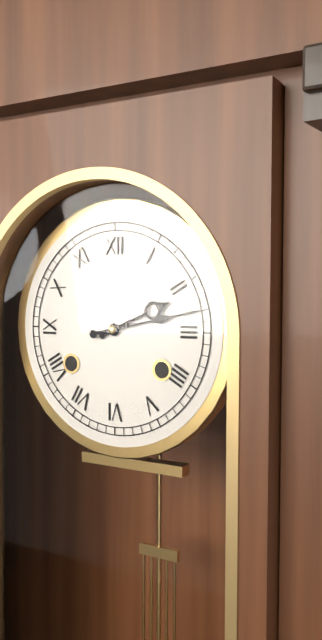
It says 2 h 13 min
